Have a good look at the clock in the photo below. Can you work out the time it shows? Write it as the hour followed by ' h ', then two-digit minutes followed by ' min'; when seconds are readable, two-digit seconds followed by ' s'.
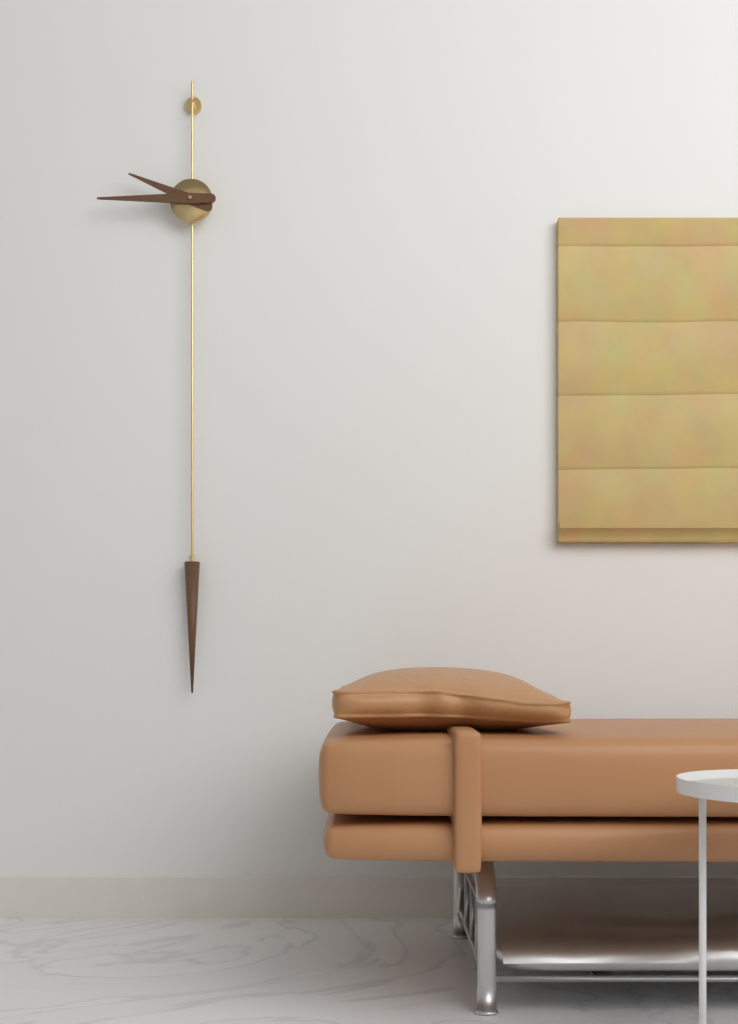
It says 9 h 45 min
